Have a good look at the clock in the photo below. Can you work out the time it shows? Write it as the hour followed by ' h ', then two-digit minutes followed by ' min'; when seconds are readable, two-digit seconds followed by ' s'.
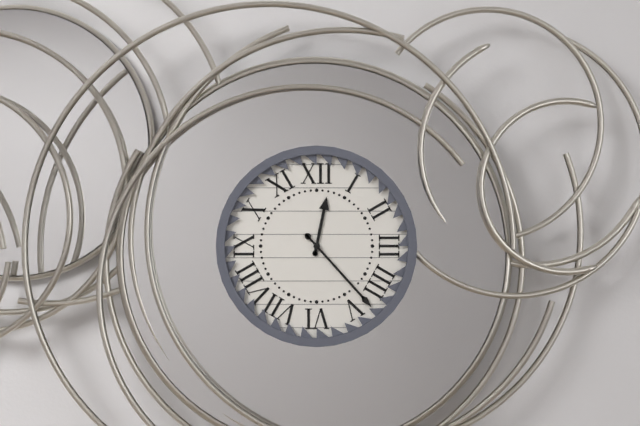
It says 12 h 23 min
